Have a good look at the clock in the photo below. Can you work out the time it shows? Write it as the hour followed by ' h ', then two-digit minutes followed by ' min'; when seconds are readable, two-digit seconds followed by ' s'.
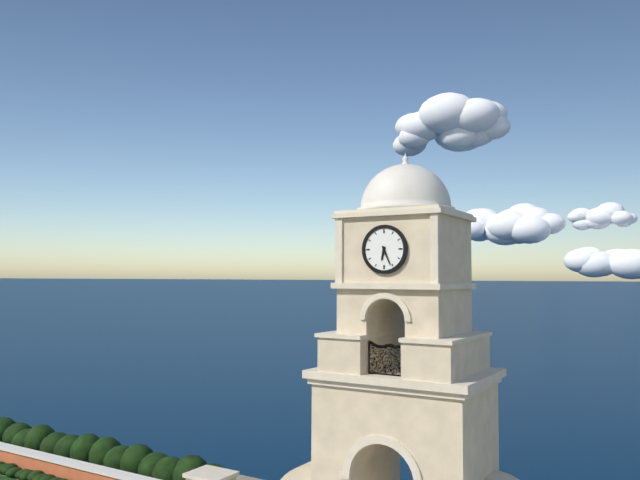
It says 6 h 26 min
